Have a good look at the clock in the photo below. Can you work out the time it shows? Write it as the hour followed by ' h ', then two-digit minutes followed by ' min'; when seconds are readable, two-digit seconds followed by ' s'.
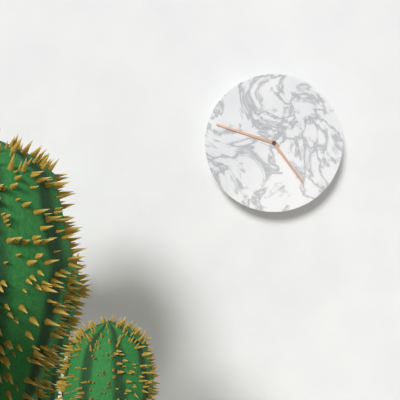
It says 4 h 48 min
